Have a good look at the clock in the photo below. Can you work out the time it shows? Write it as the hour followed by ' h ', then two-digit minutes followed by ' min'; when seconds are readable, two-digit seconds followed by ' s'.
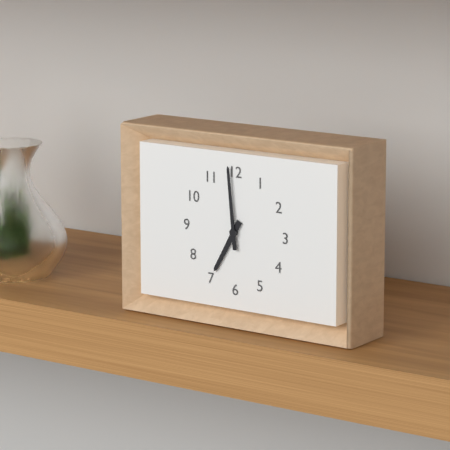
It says 6 h 59 min
